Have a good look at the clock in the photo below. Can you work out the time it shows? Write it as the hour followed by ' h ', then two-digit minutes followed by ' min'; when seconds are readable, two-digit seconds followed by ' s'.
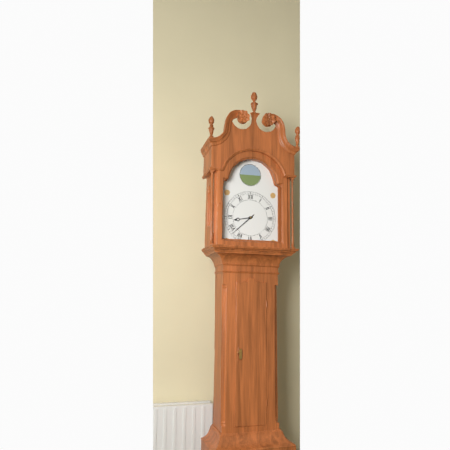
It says 8 h 38 min
